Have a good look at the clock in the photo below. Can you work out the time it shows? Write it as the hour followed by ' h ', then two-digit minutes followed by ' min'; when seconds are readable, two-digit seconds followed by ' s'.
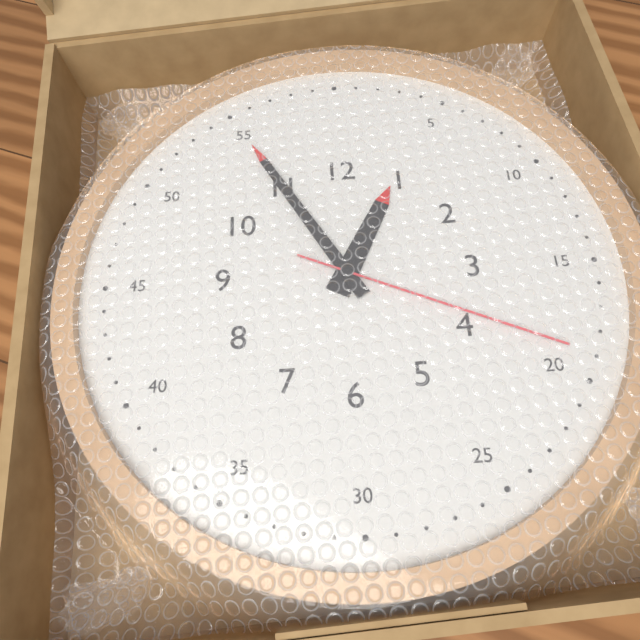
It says 12 h 55 min 19 s
